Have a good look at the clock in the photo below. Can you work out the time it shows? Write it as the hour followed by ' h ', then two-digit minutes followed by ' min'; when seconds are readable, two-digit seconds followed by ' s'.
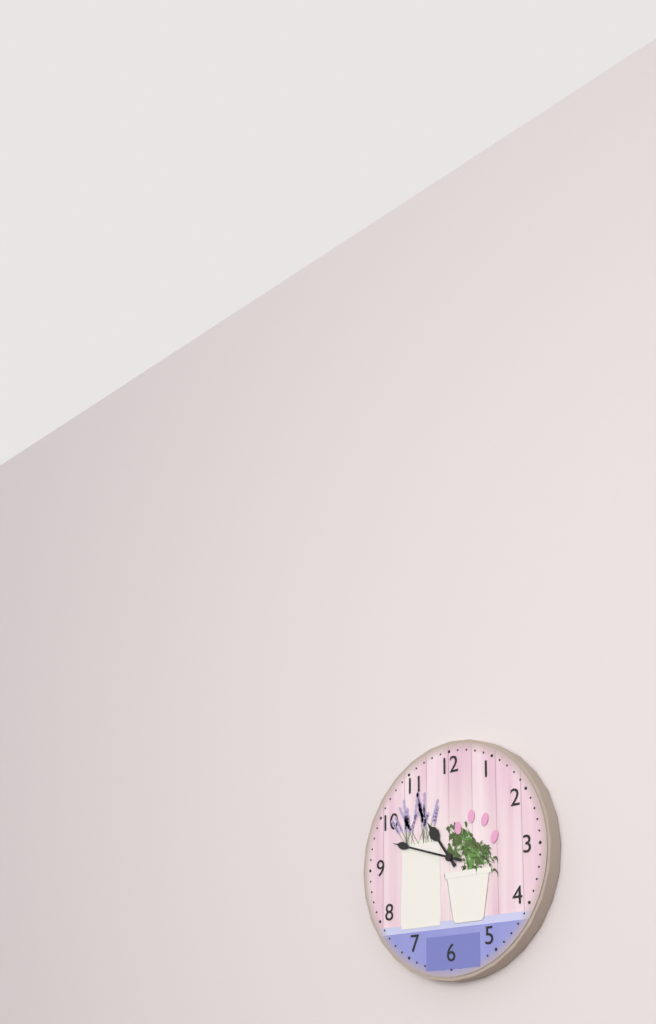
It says 10 h 48 min
